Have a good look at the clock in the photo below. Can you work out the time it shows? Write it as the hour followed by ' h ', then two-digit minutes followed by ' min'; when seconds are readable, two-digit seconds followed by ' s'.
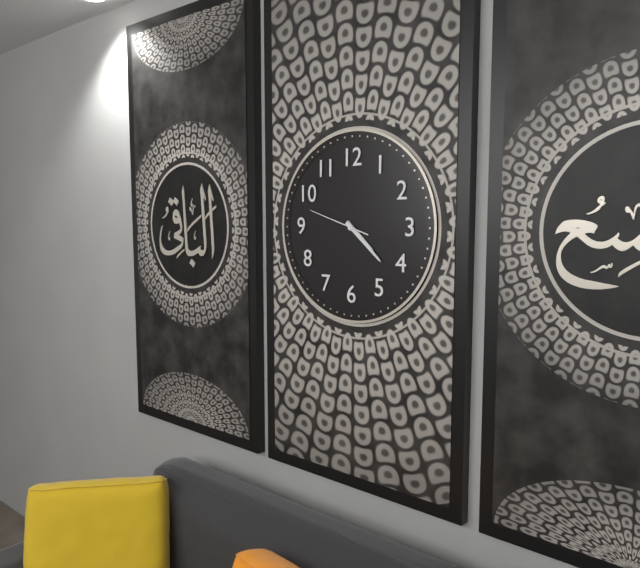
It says 4 h 22 min 48 s
